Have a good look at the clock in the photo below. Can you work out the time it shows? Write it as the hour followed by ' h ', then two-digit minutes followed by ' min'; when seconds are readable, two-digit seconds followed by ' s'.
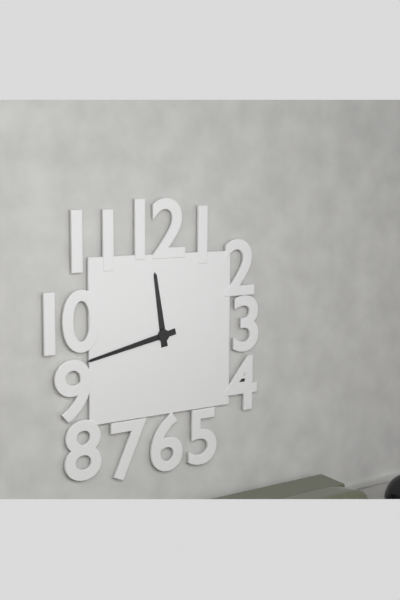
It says 11 h 43 min
